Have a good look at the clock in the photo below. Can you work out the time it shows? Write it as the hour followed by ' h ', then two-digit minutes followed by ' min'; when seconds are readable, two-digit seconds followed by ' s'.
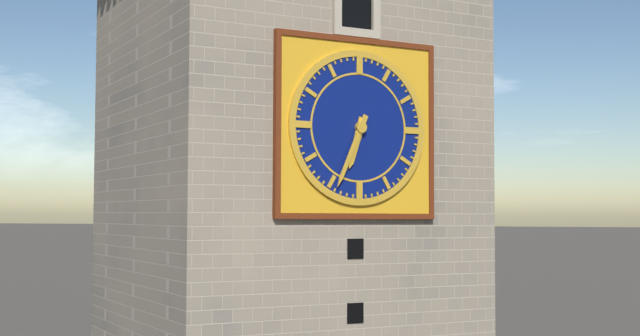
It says 6 h 34 min
